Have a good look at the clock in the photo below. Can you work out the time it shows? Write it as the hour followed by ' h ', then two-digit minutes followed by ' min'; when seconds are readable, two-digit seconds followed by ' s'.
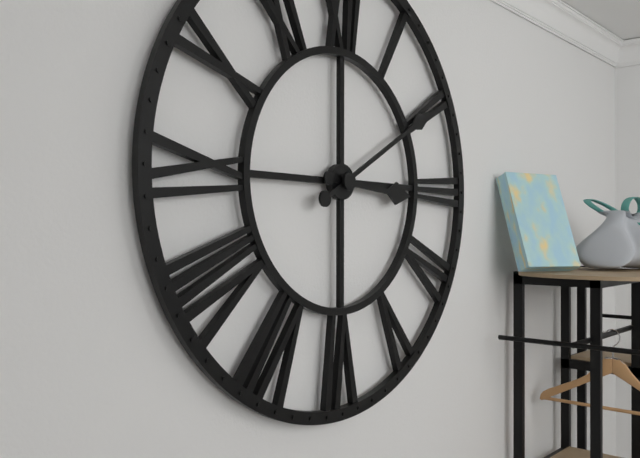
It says 3 h 10 min
